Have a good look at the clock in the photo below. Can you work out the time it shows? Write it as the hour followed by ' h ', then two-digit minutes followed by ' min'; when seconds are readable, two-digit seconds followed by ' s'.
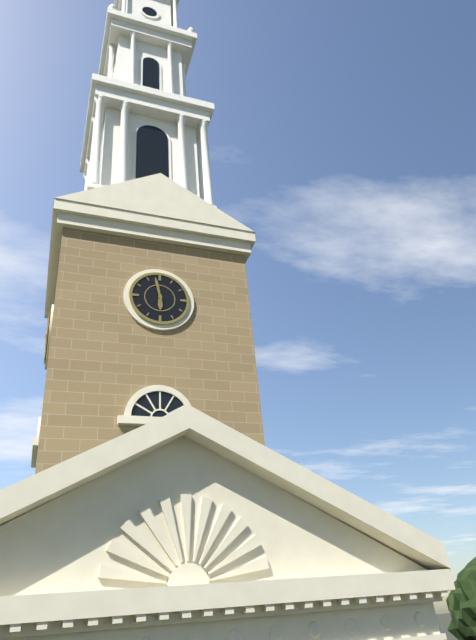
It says 5 h 58 min
